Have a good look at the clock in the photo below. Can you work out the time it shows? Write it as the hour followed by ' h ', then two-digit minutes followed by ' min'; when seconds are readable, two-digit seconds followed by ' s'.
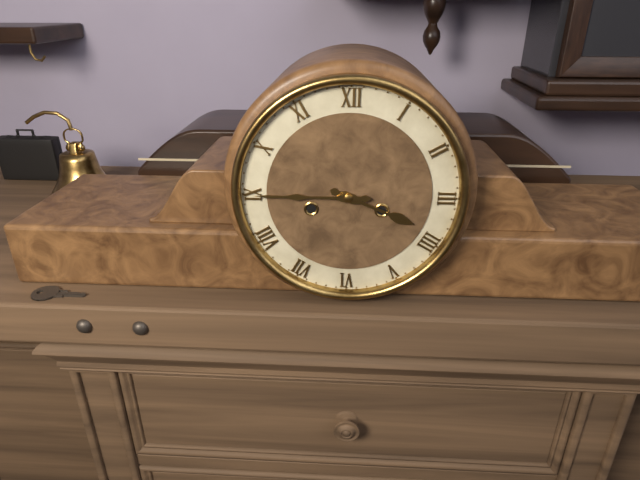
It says 3 h 45 min
